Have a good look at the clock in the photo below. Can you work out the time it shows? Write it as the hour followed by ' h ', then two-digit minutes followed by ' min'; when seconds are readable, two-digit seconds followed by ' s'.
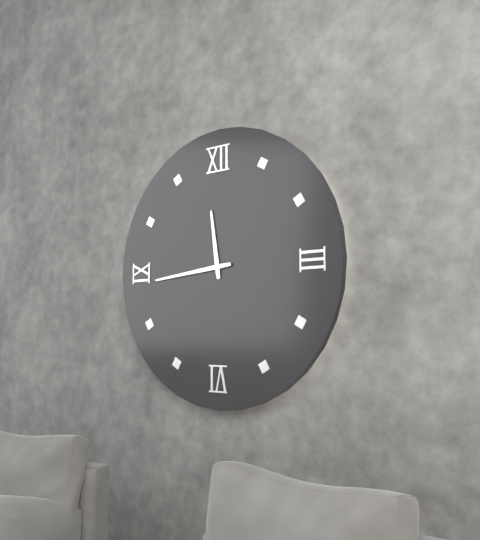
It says 11 h 44 min
